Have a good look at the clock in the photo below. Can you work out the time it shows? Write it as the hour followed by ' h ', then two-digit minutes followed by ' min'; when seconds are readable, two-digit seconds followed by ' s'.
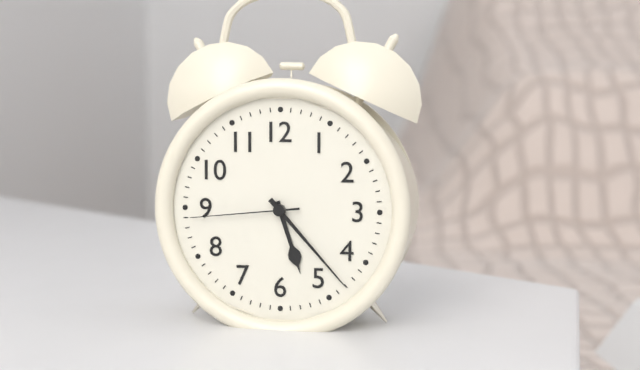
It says 5 h 23 min 44 s
